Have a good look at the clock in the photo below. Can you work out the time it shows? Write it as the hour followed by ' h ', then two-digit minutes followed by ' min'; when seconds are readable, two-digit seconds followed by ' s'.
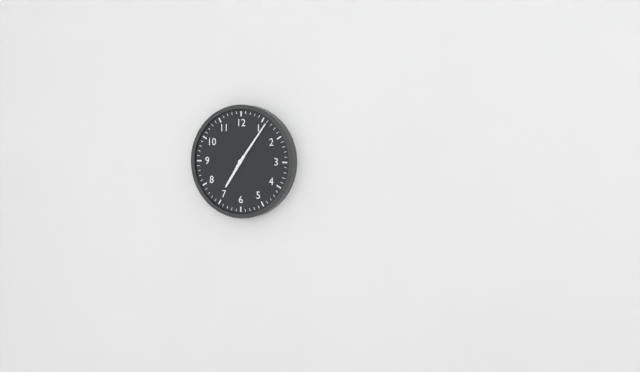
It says 7 h 06 min
